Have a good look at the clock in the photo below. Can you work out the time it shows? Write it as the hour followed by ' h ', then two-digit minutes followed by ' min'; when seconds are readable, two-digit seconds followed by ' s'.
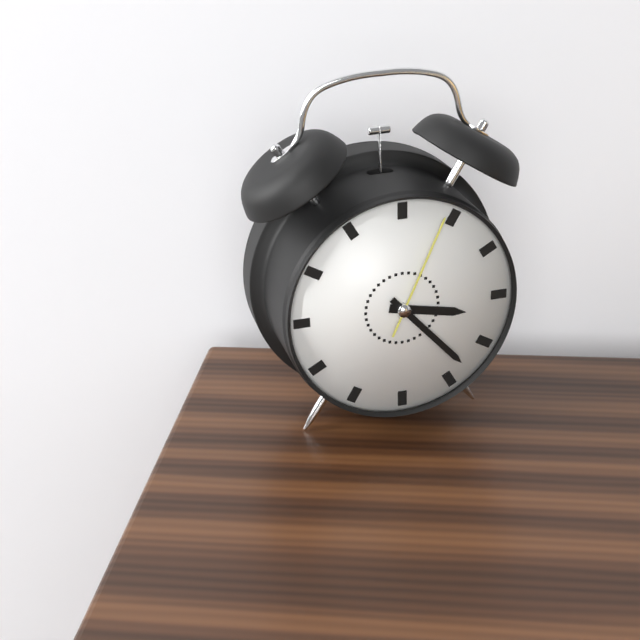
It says 3 h 23 min 04 s
